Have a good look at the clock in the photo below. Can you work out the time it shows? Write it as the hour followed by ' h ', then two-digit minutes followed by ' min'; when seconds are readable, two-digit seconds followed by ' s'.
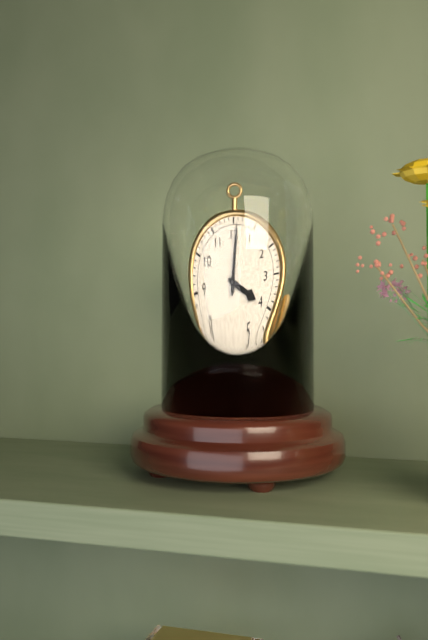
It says 4 h 01 min
